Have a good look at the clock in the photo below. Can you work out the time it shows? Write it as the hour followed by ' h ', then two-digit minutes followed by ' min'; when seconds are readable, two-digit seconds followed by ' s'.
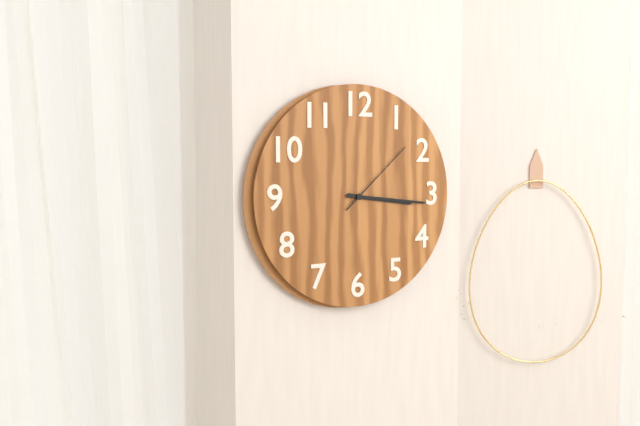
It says 3 h 16 min 08 s
